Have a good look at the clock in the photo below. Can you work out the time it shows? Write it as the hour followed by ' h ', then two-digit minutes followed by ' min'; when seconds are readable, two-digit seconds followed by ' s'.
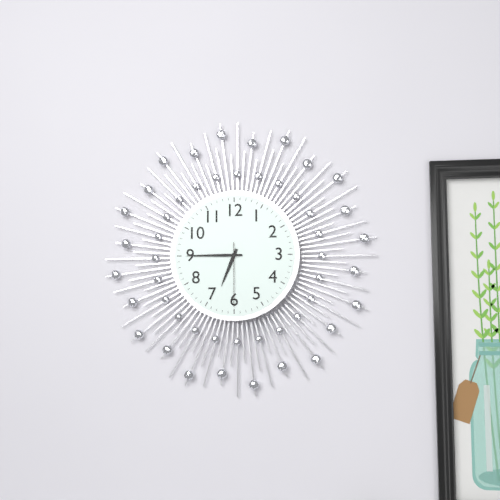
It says 6 h 45 min 30 s
